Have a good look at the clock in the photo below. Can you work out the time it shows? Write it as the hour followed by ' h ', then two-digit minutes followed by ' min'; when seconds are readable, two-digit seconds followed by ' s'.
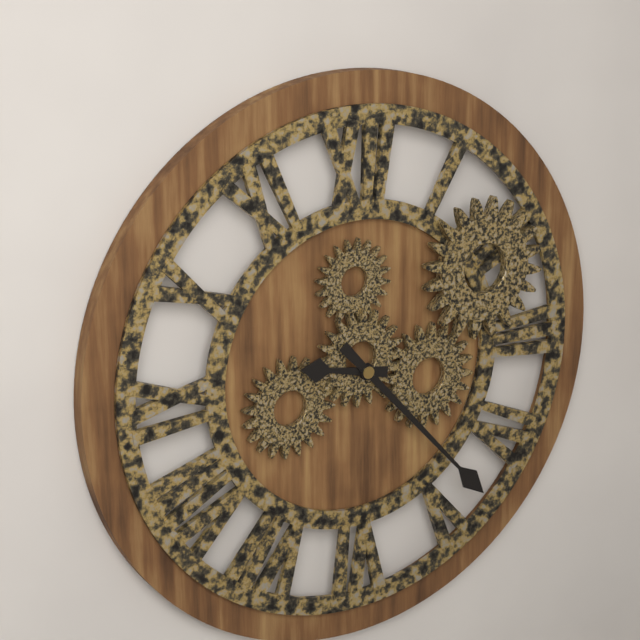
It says 9 h 23 min
